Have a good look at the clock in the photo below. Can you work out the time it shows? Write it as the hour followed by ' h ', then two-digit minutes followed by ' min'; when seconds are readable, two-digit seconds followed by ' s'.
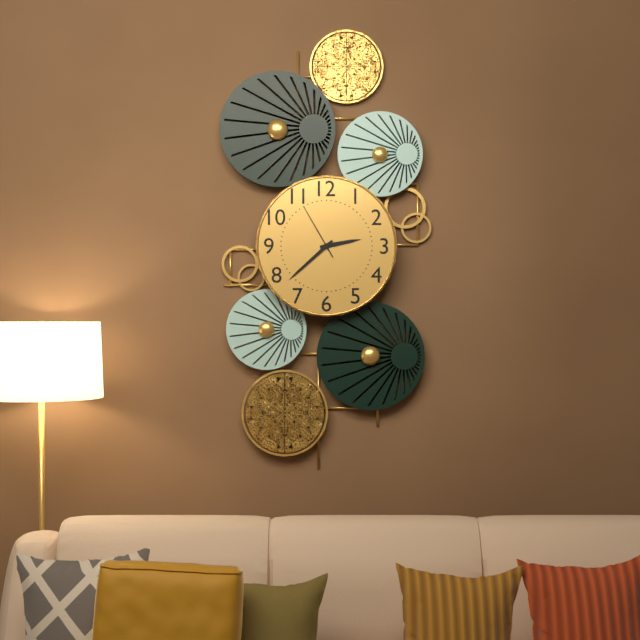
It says 2 h 38 min 55 s
